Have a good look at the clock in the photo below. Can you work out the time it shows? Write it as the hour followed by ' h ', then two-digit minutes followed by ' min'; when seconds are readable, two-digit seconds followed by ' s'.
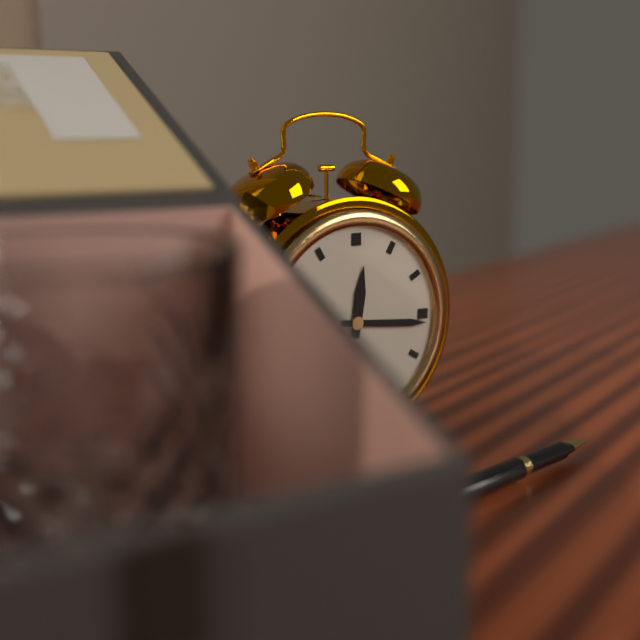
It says 12 h 16 min
